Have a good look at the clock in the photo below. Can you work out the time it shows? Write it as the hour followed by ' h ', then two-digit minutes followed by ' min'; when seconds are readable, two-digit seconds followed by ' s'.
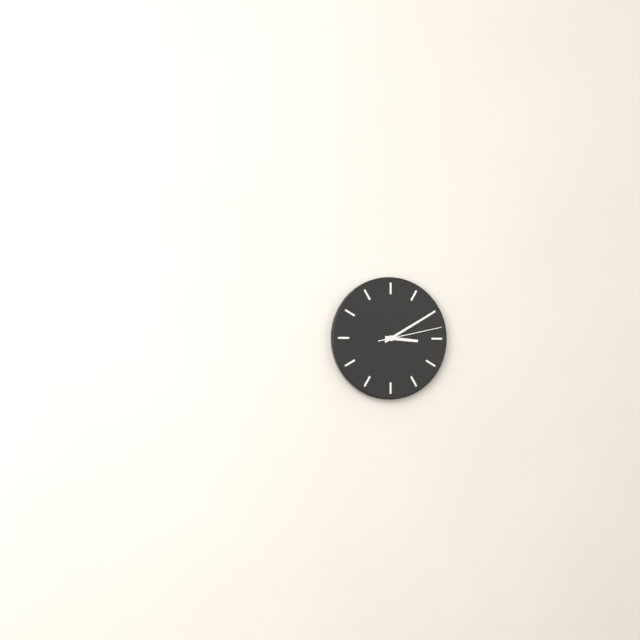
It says 3 h 10 min 13 s
